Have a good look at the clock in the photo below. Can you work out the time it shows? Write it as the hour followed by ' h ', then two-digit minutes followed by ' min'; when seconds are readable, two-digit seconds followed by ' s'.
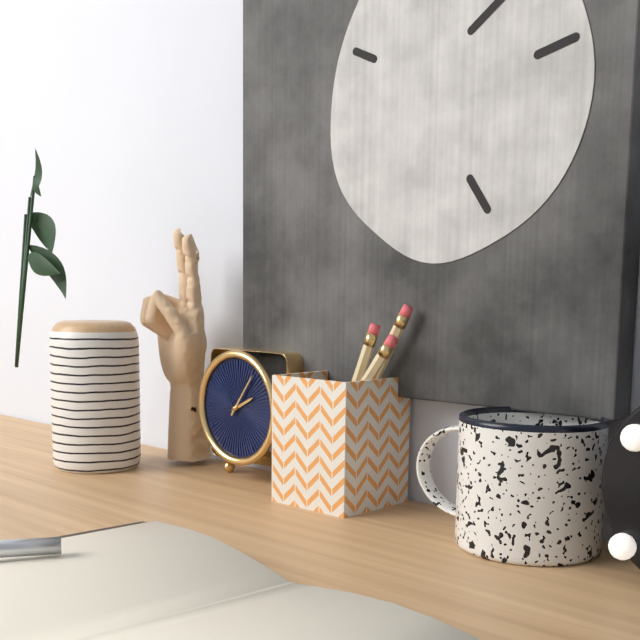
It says 2 h 06 min
